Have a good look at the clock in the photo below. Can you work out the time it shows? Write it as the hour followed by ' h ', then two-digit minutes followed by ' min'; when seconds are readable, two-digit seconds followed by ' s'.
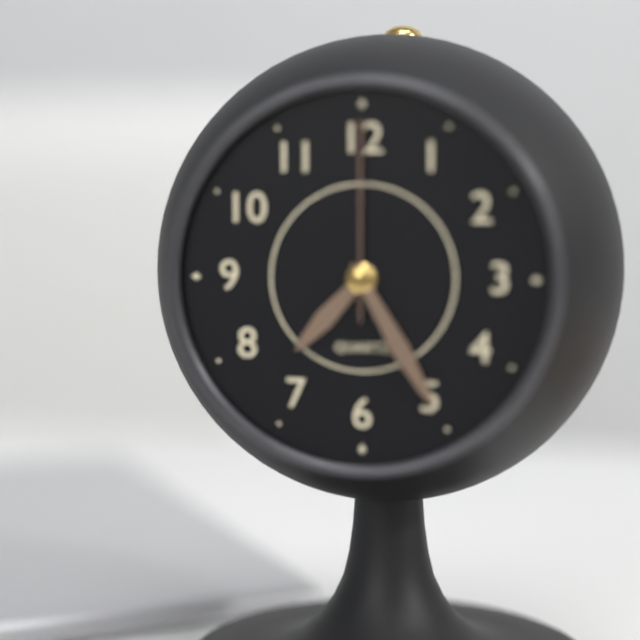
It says 7 h 25 min 00 s
